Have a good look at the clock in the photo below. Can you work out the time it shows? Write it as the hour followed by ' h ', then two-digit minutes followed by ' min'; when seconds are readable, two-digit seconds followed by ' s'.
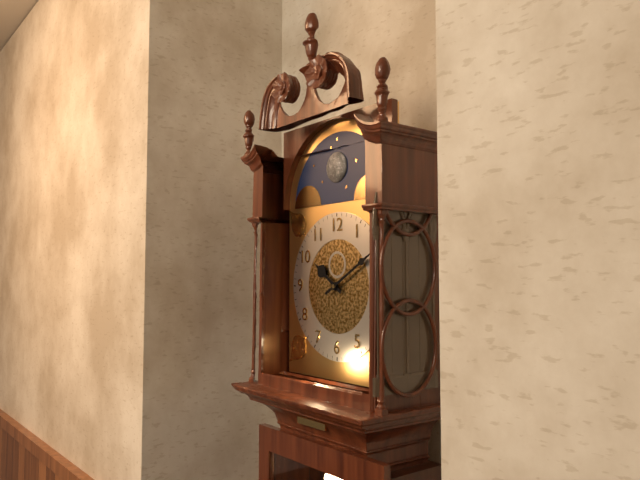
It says 10 h 10 min
